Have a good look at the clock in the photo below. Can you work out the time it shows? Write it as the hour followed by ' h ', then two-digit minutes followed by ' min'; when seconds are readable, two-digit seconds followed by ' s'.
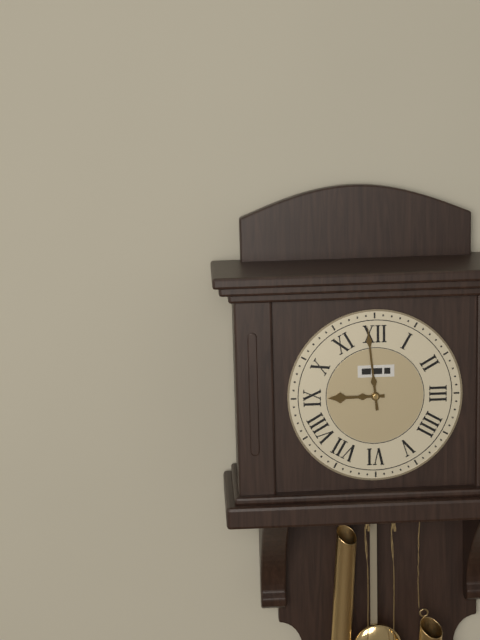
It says 8 h 59 min
